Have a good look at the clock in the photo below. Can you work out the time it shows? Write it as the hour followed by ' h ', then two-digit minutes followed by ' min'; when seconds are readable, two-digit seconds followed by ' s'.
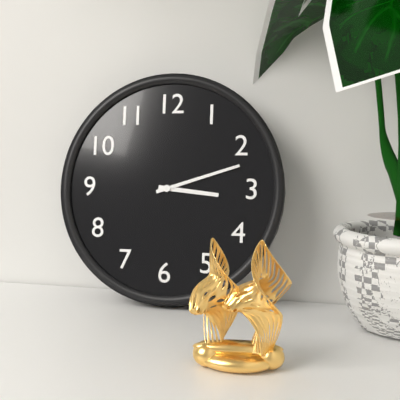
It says 3 h 12 min
